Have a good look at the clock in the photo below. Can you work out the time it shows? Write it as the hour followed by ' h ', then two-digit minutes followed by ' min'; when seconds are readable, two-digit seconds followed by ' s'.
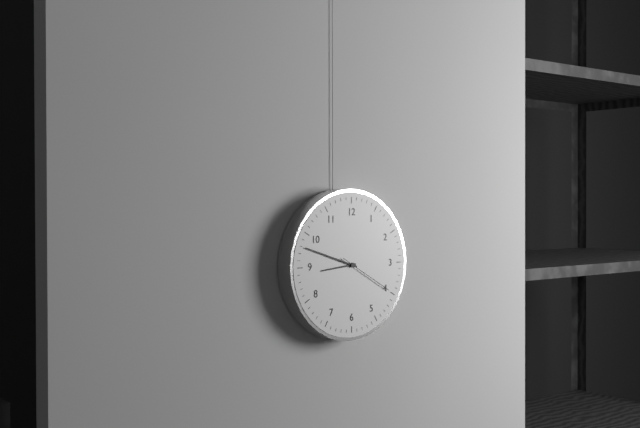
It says 8 h 48 min 20 s
